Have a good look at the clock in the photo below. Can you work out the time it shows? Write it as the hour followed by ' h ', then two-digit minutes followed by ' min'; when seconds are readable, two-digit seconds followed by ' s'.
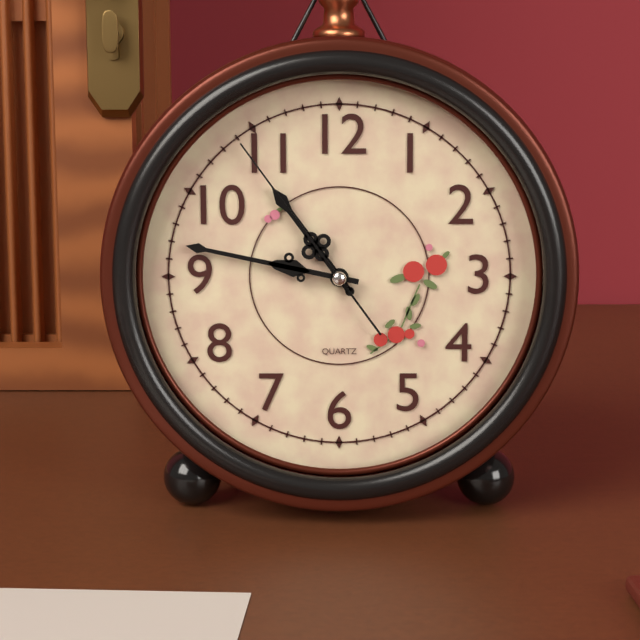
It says 10 h 47 min 54 s
